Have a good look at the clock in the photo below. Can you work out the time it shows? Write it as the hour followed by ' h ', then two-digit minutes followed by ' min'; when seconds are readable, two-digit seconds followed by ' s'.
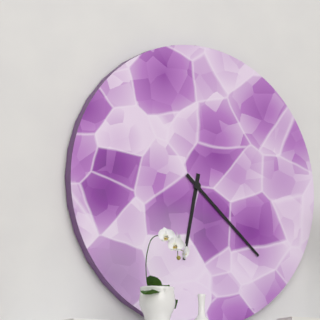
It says 6 h 22 min
